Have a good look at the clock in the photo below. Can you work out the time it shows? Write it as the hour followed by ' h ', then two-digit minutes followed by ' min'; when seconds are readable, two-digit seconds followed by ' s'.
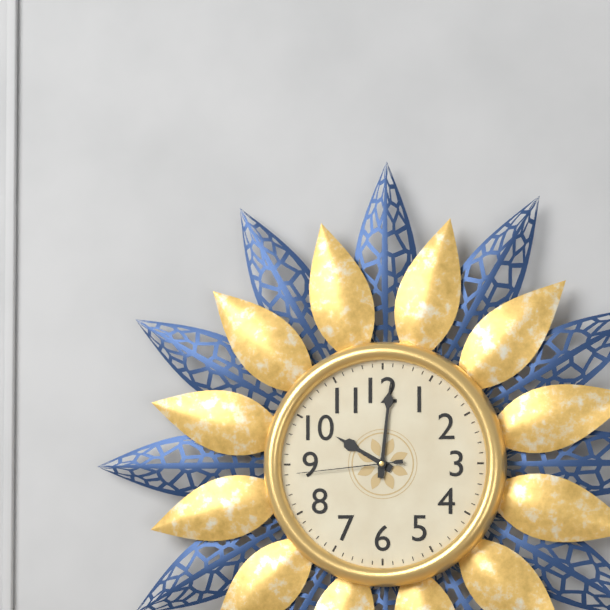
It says 10 h 01 min 44 s
